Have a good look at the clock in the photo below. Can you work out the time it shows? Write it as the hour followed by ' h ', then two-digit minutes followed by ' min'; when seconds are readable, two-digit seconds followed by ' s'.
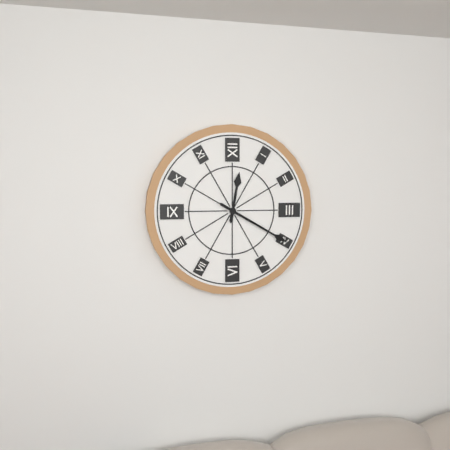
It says 12 h 20 min
